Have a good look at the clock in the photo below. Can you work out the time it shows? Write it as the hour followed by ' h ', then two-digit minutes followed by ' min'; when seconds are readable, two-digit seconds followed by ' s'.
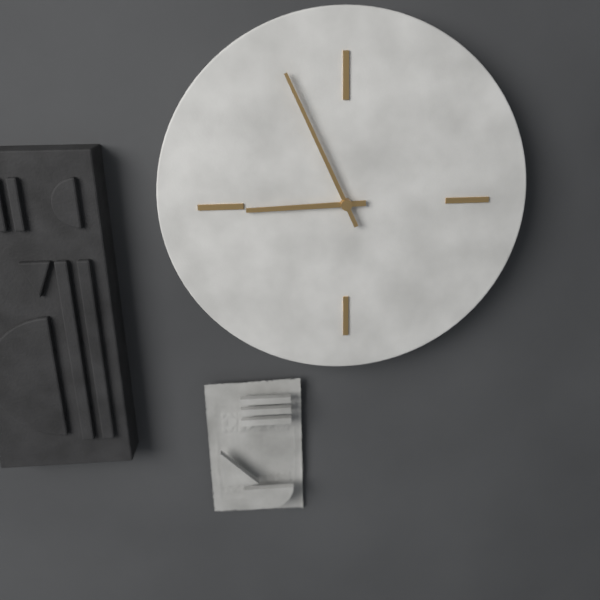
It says 8 h 56 min
